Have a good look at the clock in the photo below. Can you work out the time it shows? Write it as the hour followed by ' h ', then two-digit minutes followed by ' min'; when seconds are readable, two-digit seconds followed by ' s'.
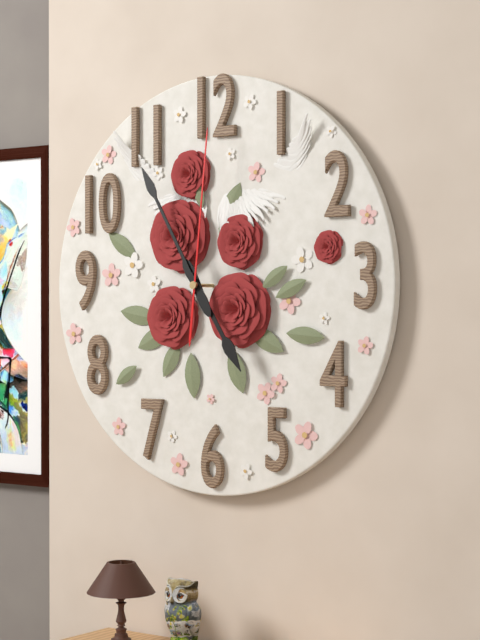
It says 4 h 55 min 01 s
